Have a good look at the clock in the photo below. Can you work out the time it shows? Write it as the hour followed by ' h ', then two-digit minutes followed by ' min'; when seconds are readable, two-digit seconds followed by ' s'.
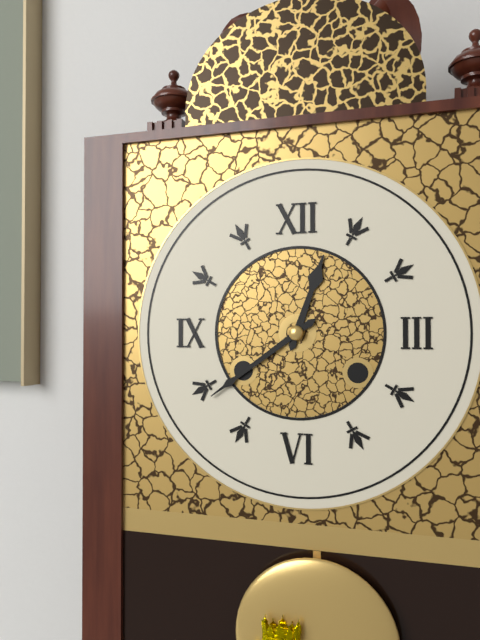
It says 12 h 39 min
